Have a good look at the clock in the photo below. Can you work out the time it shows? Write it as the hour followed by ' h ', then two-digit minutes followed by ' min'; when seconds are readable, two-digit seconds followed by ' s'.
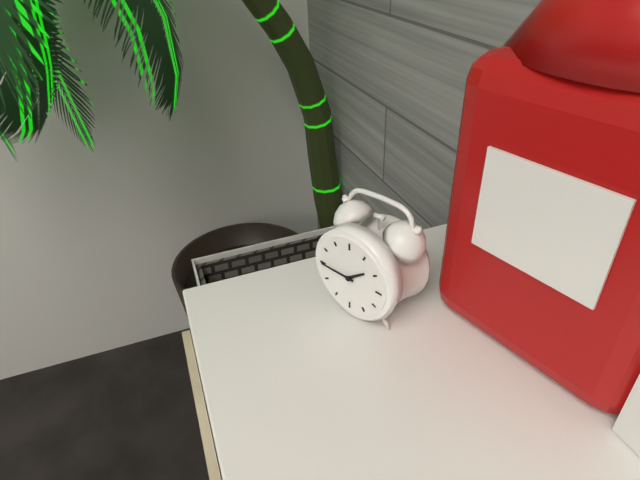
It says 1 h 45 min
